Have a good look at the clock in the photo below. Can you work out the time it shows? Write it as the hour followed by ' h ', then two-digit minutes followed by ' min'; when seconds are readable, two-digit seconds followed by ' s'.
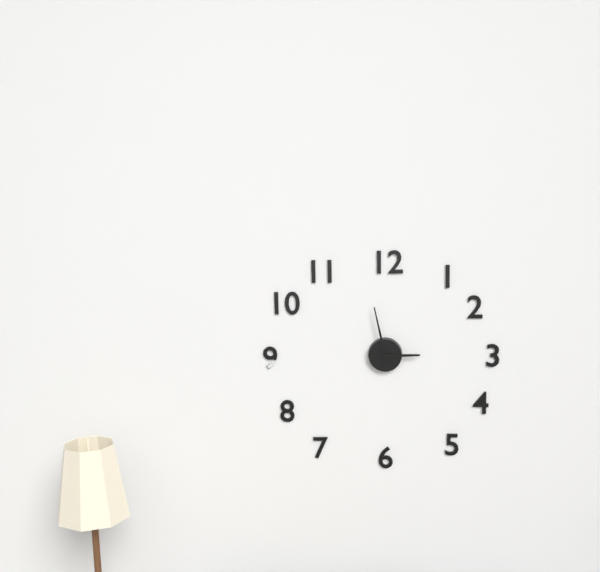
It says 2 h 58 min
